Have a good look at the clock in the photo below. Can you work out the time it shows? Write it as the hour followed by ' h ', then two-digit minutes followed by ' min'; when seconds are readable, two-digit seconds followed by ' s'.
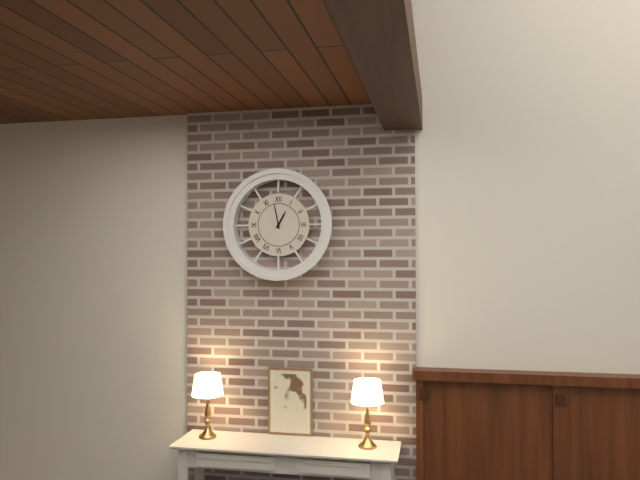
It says 12 h 58 min
